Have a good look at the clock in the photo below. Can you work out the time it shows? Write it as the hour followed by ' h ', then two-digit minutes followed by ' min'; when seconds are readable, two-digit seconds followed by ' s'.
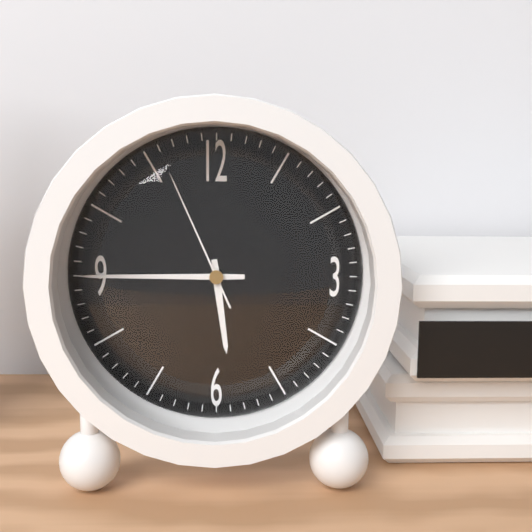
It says 5 h 45 min 56 s
